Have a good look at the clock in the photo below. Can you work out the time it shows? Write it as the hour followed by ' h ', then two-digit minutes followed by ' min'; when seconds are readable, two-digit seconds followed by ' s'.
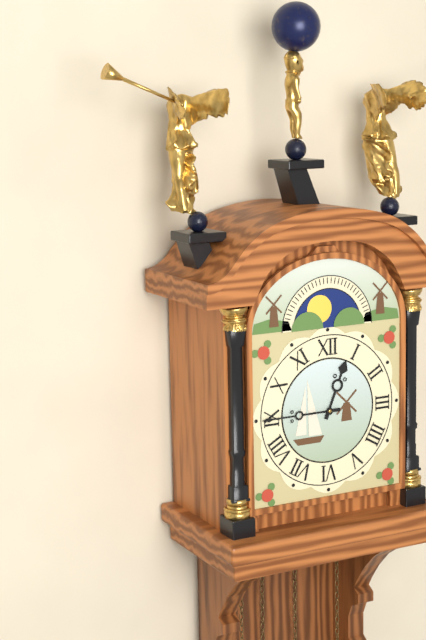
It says 12 h 45 min
